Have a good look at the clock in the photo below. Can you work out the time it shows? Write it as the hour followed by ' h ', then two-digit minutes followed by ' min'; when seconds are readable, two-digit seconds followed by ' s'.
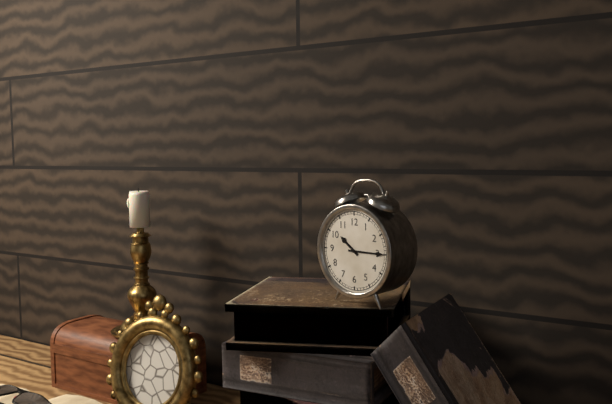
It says 10 h 15 min
